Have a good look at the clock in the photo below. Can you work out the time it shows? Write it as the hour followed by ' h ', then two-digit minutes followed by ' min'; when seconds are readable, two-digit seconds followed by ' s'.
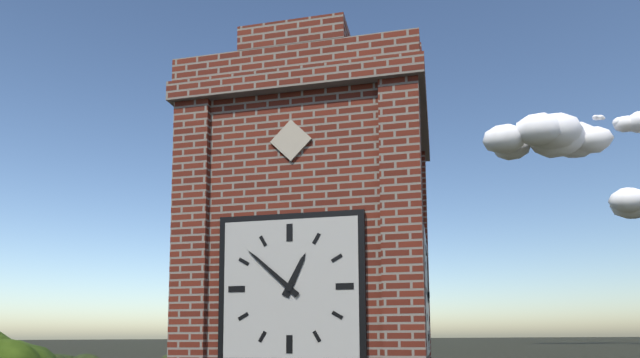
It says 12 h 52 min
